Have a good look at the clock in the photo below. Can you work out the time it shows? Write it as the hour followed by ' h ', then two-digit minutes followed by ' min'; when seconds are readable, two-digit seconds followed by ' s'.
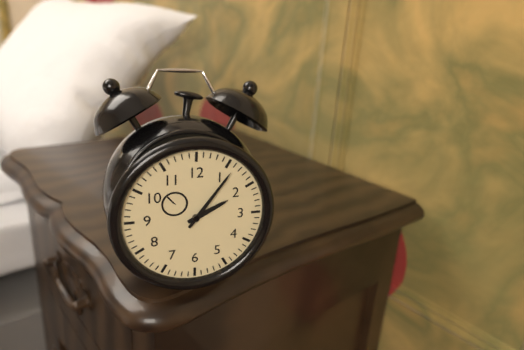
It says 2 h 06 min
